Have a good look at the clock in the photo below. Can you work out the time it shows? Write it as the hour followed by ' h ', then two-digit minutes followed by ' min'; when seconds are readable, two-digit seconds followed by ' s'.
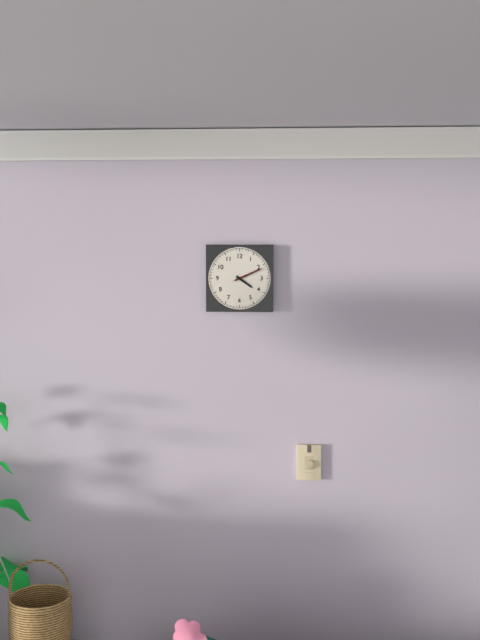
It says 4 h 11 min
